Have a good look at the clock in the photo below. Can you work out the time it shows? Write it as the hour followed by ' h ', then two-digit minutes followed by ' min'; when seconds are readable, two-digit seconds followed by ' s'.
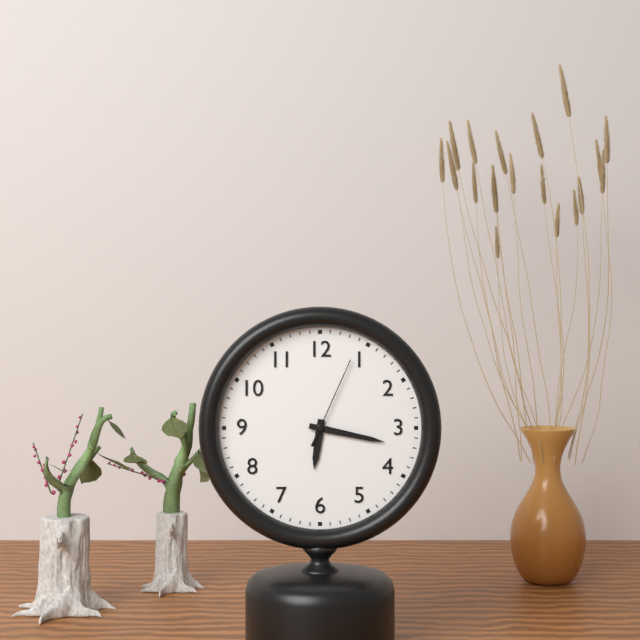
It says 6 h 17 min 04 s
